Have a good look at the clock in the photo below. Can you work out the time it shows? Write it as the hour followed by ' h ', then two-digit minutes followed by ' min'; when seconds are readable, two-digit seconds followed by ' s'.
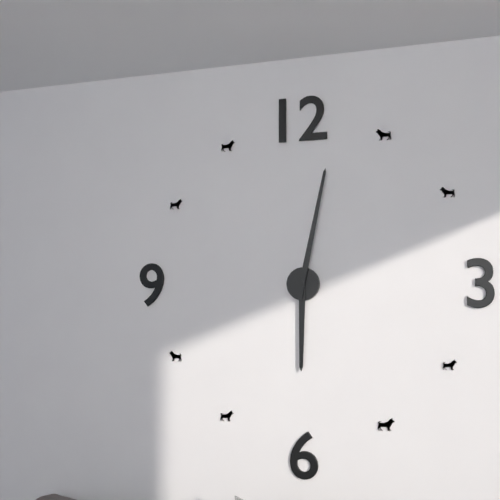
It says 6 h 02 min
